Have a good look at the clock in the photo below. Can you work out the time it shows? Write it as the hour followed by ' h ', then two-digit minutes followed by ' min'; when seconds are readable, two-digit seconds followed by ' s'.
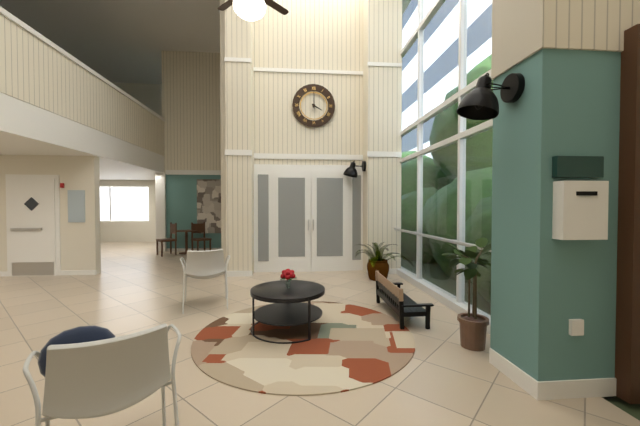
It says 4 h 00 min
